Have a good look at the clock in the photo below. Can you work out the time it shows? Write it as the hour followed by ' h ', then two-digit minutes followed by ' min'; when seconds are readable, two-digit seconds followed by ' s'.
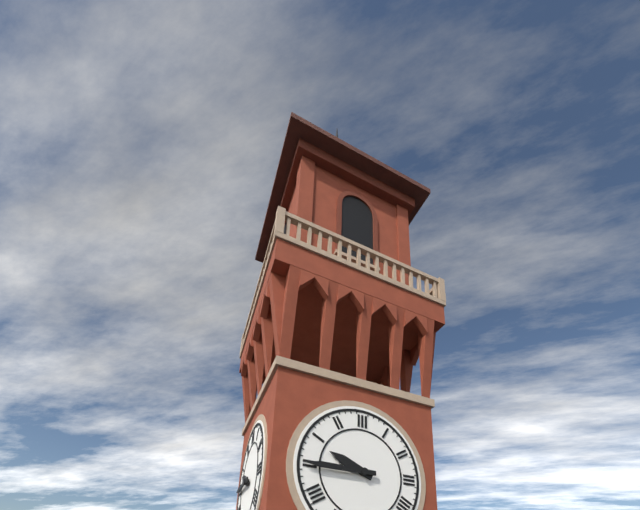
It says 9 h 45 min
